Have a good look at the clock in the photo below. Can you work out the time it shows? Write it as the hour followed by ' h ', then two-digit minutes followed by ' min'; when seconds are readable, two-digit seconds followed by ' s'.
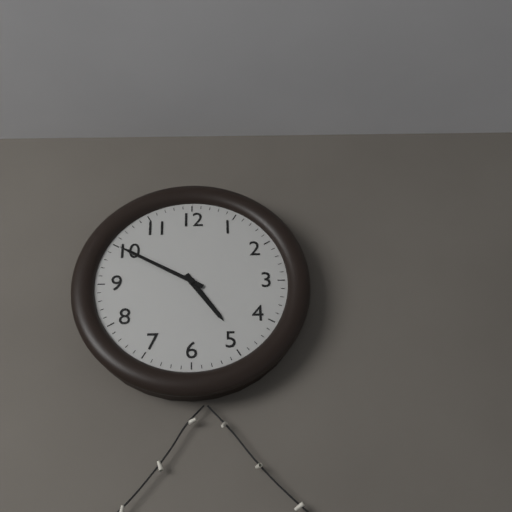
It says 4 h 50 min
